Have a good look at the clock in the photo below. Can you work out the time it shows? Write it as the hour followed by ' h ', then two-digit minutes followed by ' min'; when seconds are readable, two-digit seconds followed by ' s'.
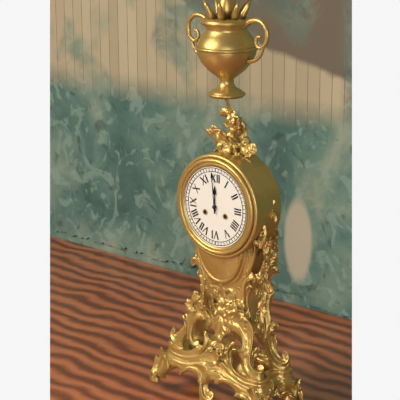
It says 11 h 59 min
